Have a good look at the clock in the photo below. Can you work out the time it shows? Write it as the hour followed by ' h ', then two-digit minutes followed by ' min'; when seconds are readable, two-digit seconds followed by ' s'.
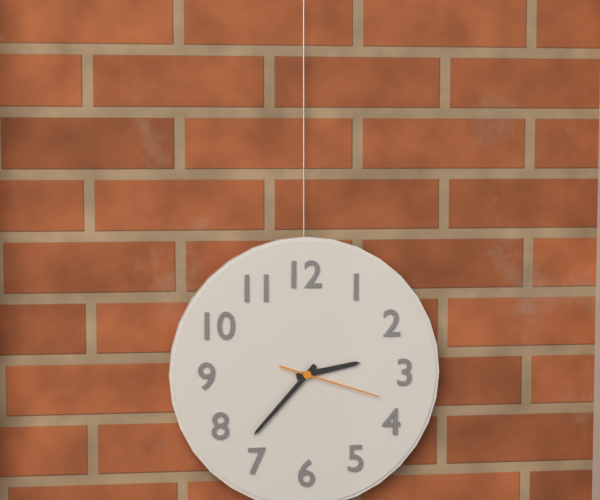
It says 2 h 37 min 18 s
